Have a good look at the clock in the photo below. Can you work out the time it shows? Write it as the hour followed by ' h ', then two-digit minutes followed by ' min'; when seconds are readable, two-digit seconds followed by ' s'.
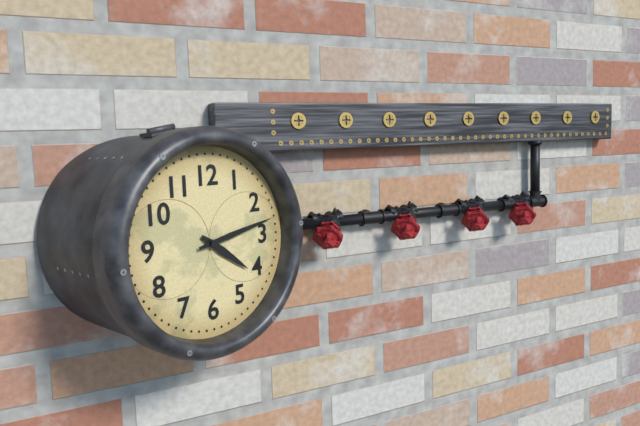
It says 4 h 13 min
